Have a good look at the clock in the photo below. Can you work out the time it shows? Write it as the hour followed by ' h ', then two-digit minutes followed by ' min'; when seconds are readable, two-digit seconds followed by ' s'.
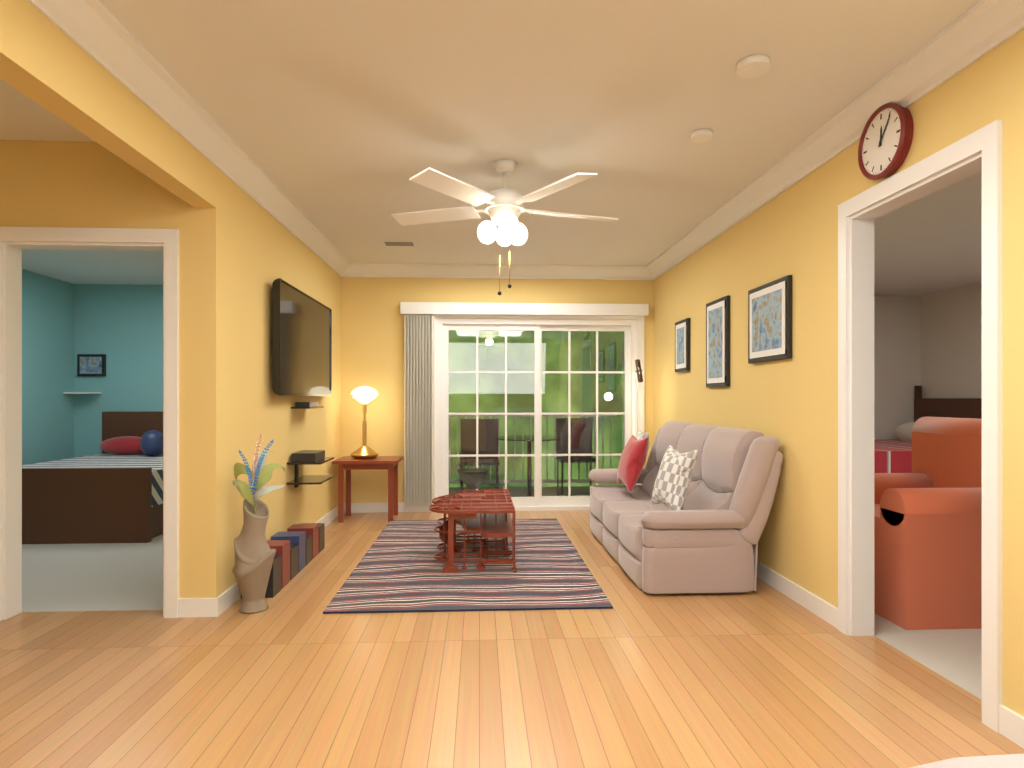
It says 12 h 06 min
